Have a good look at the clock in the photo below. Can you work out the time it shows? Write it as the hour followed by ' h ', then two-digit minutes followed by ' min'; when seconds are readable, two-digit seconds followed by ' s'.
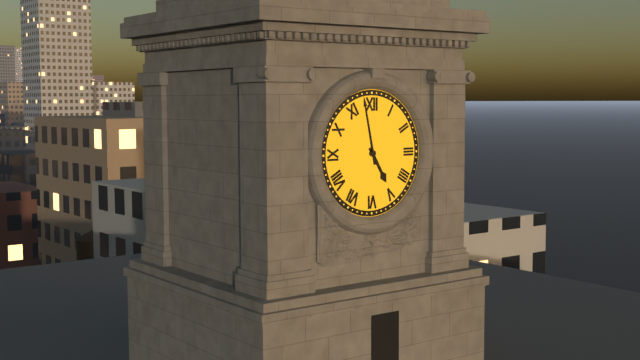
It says 4 h 58 min
